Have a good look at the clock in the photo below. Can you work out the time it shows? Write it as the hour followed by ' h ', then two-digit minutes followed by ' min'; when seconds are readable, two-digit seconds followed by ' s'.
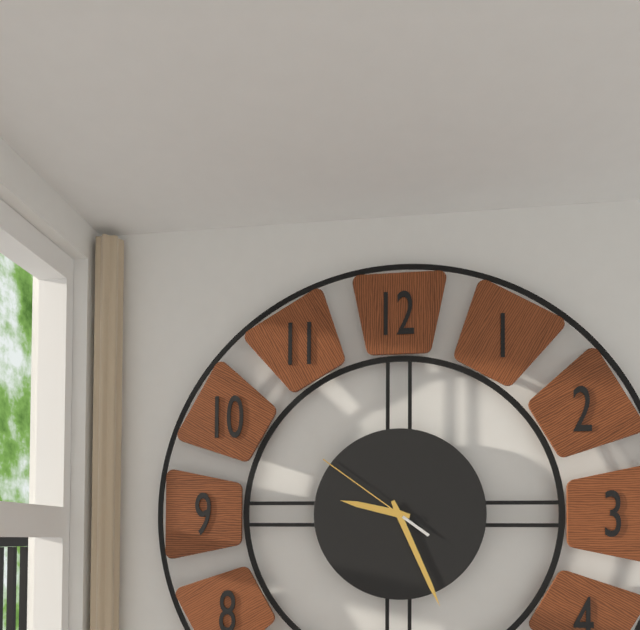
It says 9 h 26 min 51 s
